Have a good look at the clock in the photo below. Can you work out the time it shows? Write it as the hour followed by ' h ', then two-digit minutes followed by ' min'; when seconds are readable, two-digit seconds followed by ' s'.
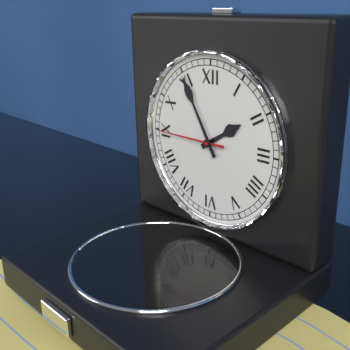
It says 1 h 55 min 45 s
